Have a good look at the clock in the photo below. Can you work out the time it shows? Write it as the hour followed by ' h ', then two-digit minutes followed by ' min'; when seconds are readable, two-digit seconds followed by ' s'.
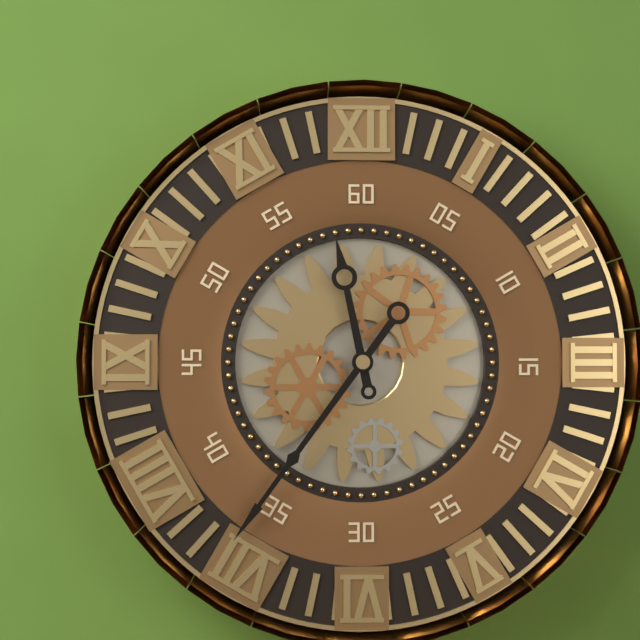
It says 11 h 36 min
